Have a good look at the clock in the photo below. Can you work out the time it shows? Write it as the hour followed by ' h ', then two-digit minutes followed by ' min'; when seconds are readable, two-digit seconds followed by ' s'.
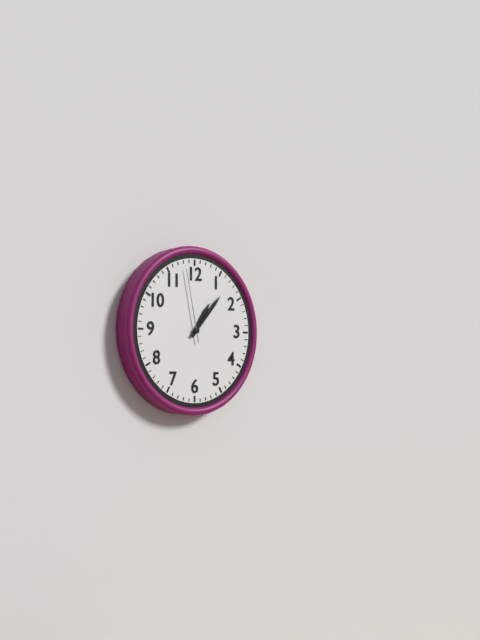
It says 1 h 07 min 58 s
